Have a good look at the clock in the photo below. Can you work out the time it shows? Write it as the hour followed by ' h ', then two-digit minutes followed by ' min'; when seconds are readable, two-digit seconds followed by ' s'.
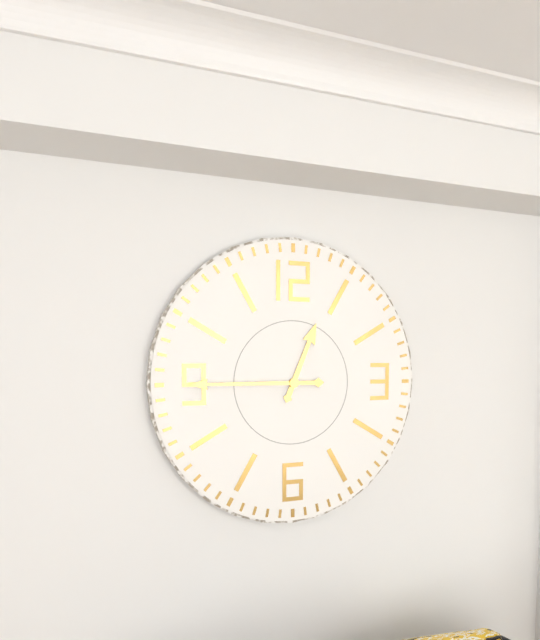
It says 12 h 45 min
